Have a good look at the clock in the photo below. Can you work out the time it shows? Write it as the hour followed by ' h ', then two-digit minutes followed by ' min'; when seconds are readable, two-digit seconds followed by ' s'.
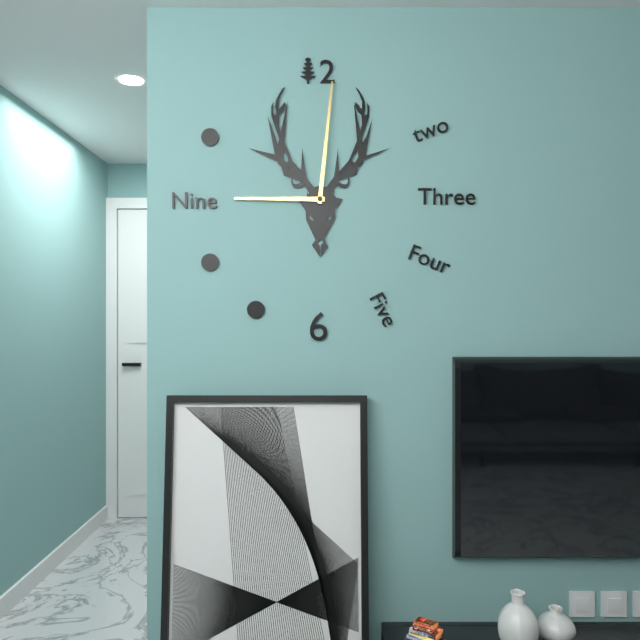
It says 9 h 01 min
